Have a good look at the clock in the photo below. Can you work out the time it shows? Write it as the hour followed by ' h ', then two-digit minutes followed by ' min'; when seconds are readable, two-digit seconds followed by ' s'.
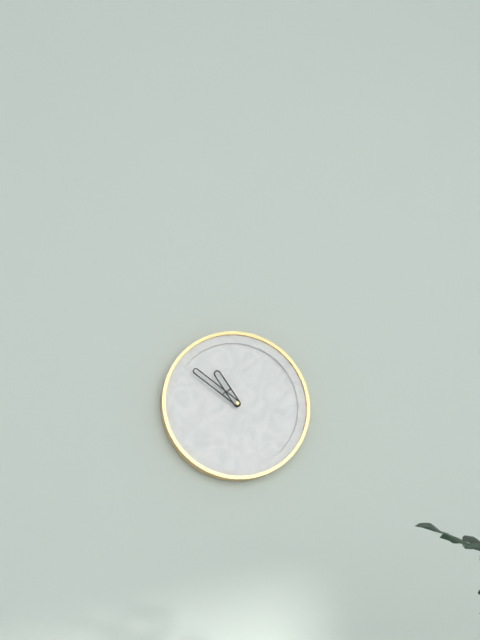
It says 10 h 51 min
